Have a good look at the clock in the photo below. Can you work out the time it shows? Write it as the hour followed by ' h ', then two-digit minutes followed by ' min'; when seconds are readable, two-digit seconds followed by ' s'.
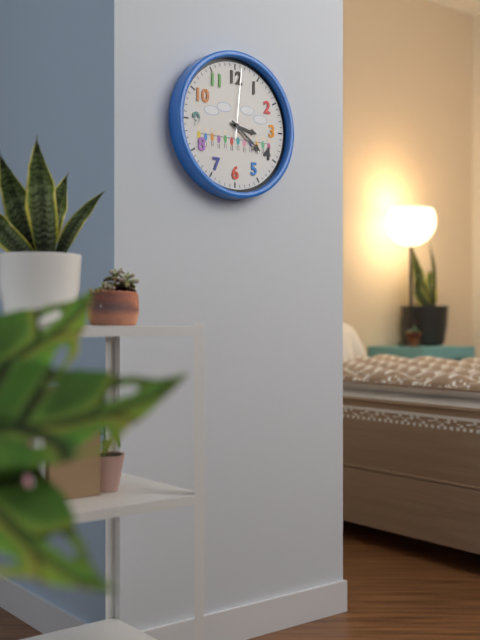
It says 3 h 21 min 01 s
